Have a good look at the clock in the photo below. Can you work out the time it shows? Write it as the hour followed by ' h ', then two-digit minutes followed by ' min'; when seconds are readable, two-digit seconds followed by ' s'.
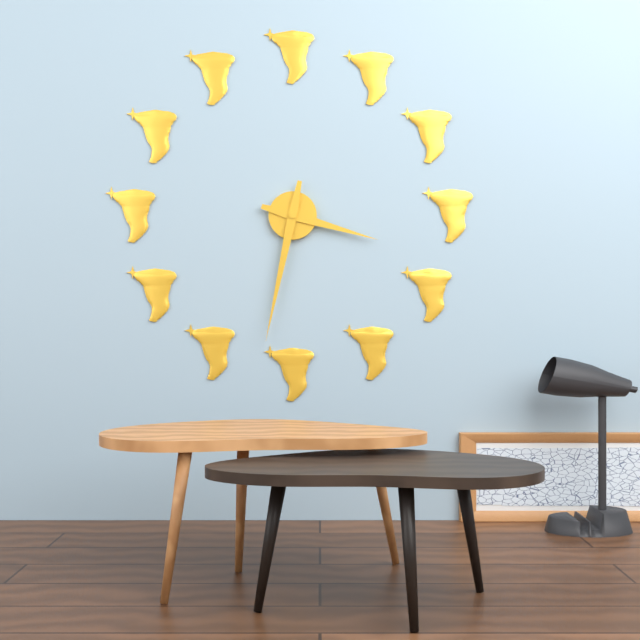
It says 3 h 32 min
